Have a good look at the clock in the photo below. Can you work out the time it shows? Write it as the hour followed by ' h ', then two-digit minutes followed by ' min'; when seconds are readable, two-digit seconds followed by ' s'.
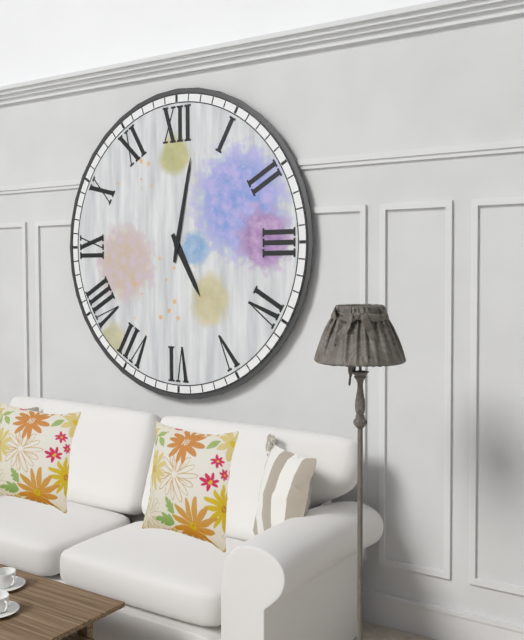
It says 5 h 02 min
